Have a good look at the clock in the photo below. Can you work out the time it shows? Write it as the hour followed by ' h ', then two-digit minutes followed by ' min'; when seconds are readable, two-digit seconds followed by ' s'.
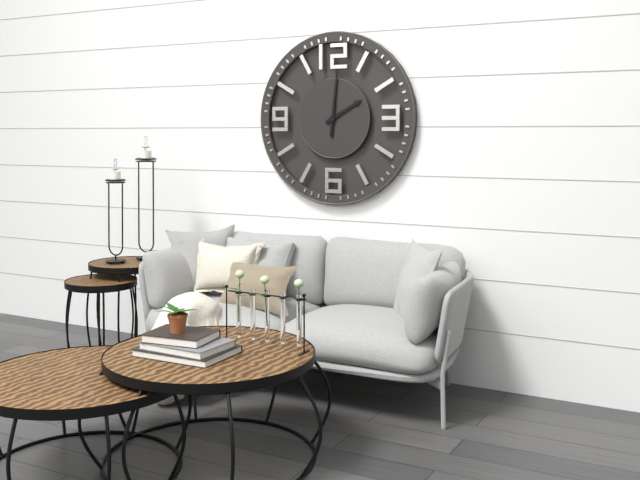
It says 2 h 01 min
